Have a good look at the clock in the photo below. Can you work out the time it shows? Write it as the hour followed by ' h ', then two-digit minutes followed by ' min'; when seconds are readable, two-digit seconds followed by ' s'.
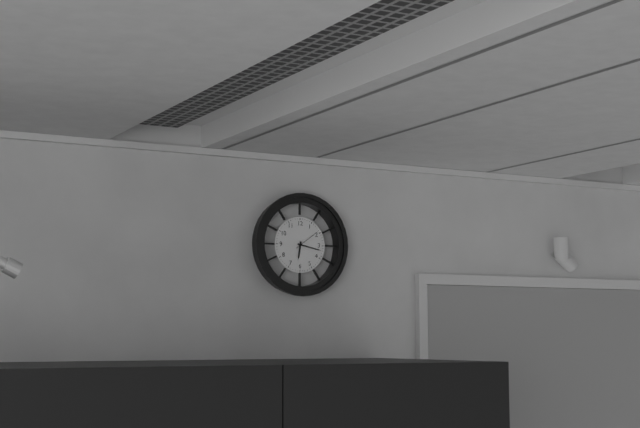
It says 6 h 17 min
